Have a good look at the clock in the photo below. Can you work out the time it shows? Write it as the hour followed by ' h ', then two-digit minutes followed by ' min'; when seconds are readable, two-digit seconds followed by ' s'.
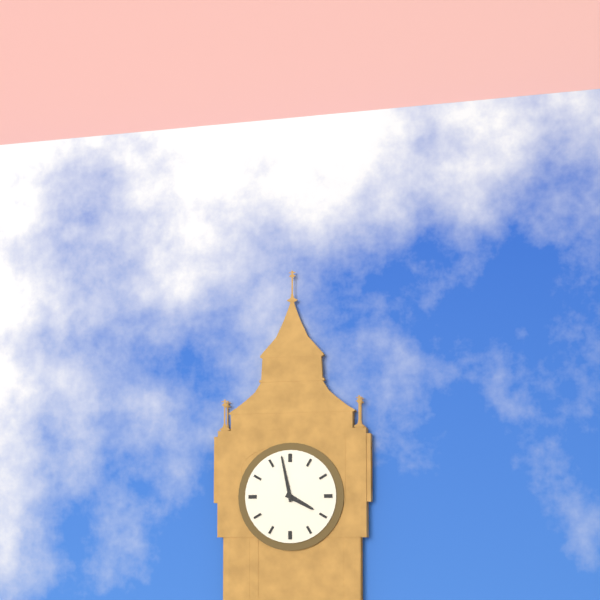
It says 3 h 58 min
